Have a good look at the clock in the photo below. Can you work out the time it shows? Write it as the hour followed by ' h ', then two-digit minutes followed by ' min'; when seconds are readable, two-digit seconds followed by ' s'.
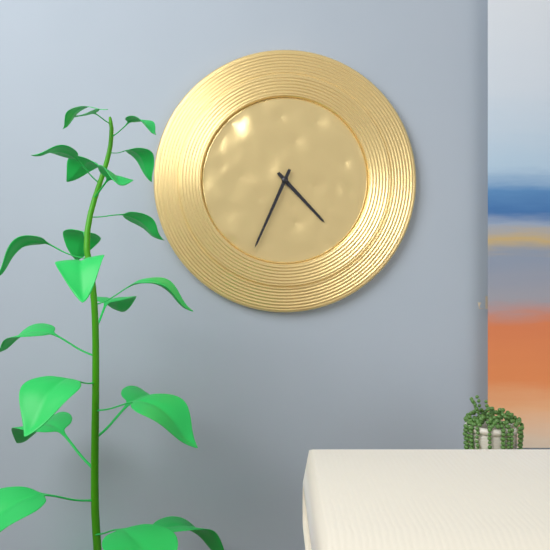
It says 4 h 34 min
